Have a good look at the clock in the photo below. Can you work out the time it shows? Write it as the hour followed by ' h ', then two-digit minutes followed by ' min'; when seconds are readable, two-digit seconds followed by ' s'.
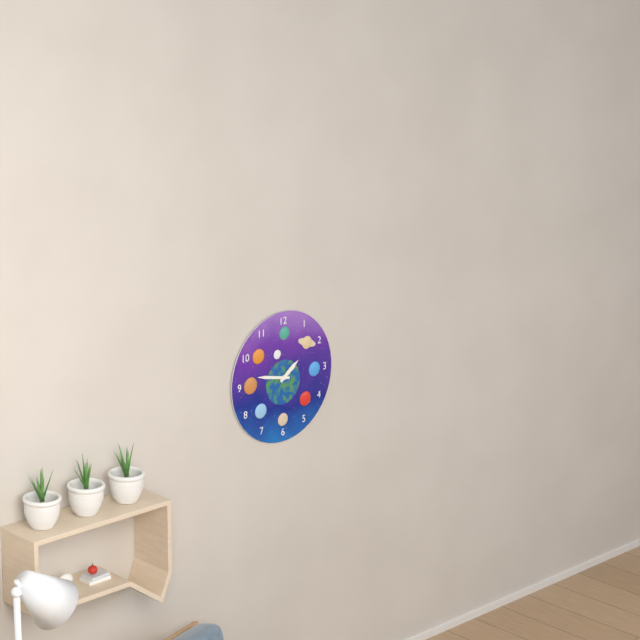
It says 1 h 47 min
